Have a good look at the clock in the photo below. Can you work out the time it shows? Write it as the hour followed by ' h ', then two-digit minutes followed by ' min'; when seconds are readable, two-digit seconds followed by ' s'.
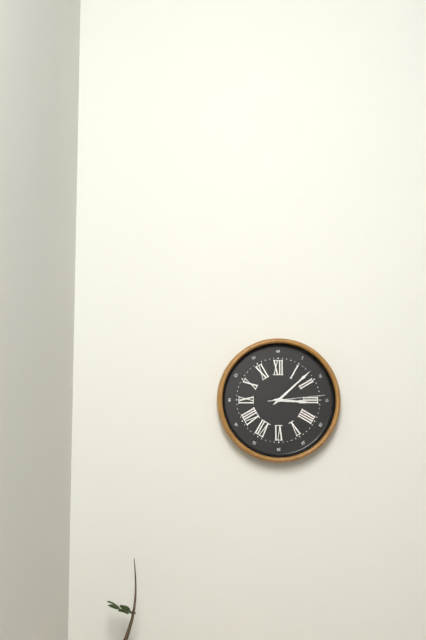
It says 3 h 08 min 14 s
